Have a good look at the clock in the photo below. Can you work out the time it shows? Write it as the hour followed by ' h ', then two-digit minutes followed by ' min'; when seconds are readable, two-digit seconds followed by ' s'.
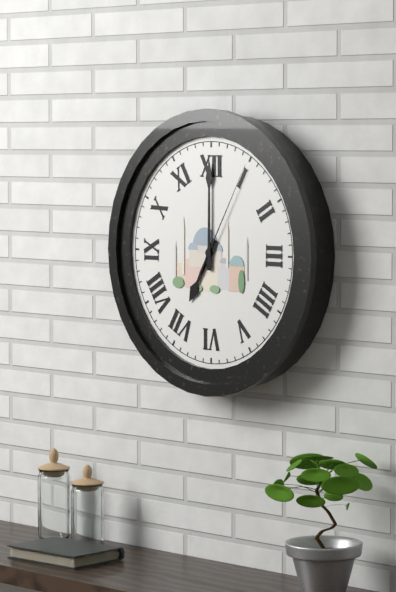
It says 7 h 00 min 05 s
